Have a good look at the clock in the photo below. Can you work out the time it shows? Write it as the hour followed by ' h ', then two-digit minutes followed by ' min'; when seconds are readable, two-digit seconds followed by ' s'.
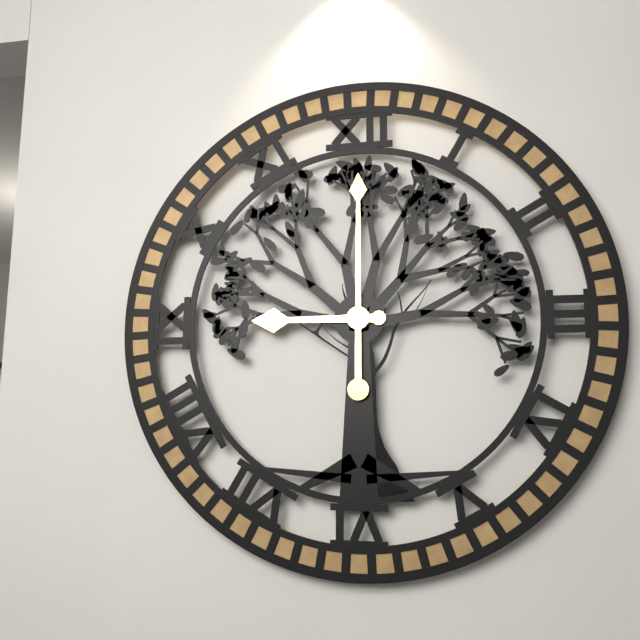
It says 9 h 00 min
